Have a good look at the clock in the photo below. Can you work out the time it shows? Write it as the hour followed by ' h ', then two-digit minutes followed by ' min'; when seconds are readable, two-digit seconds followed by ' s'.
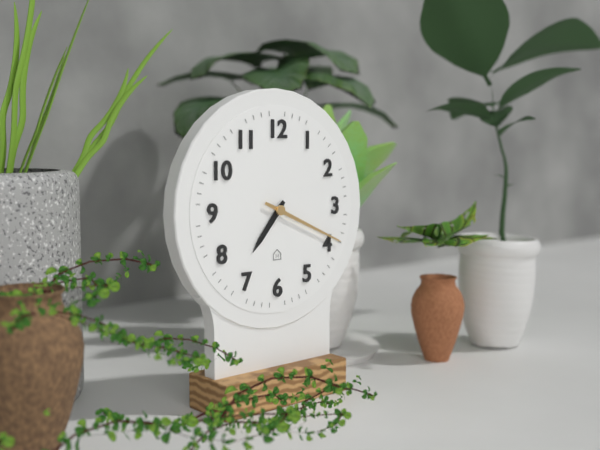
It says 7 h 19 min
